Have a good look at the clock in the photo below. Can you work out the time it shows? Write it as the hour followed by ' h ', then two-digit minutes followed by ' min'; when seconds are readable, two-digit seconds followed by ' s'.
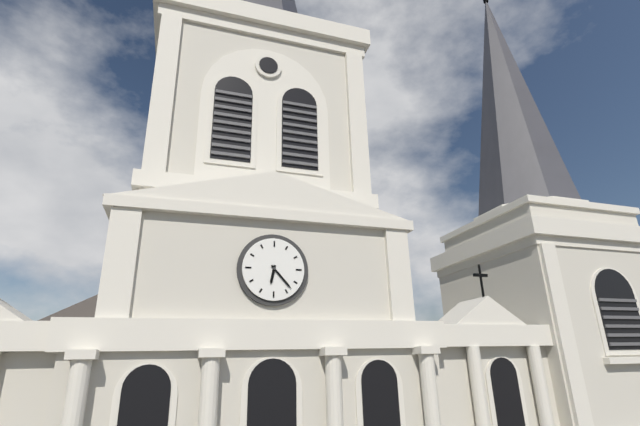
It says 6 h 23 min
